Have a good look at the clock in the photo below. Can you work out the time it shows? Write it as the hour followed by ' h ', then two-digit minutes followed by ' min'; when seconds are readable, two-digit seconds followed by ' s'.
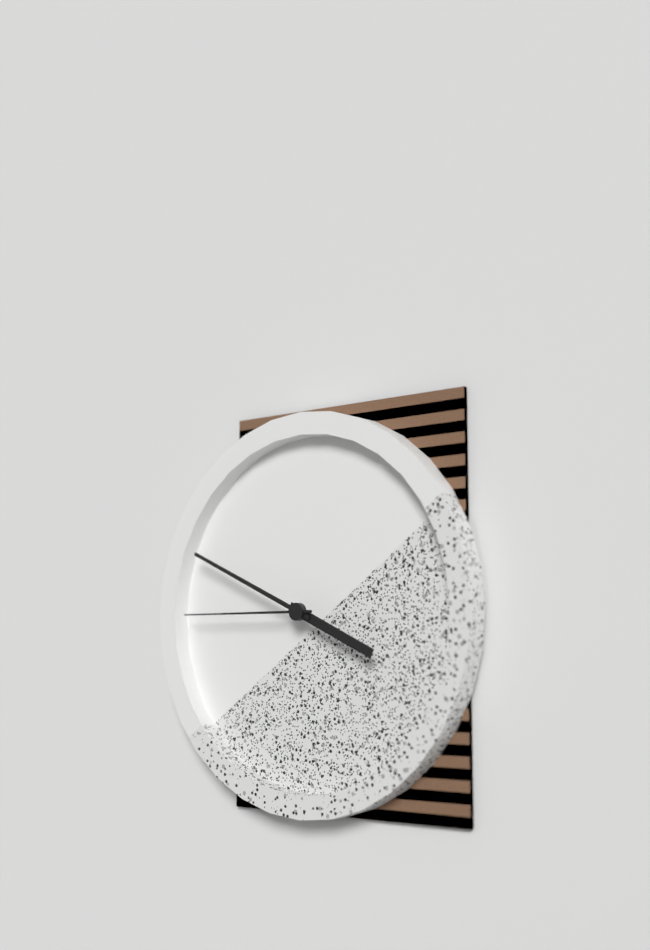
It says 3 h 49 min 45 s
